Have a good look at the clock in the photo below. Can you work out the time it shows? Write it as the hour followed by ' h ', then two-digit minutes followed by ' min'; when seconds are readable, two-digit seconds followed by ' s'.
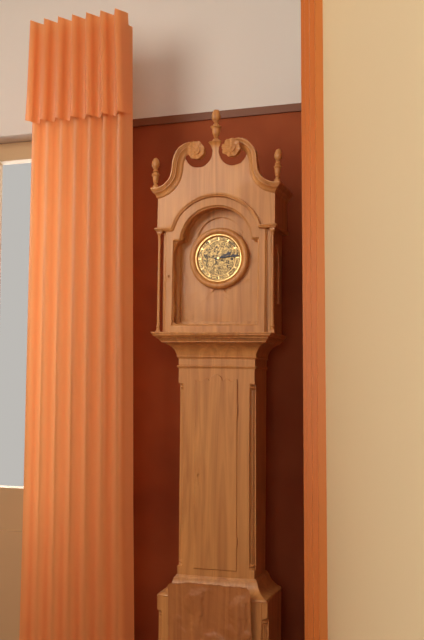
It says 2 h 14 min
